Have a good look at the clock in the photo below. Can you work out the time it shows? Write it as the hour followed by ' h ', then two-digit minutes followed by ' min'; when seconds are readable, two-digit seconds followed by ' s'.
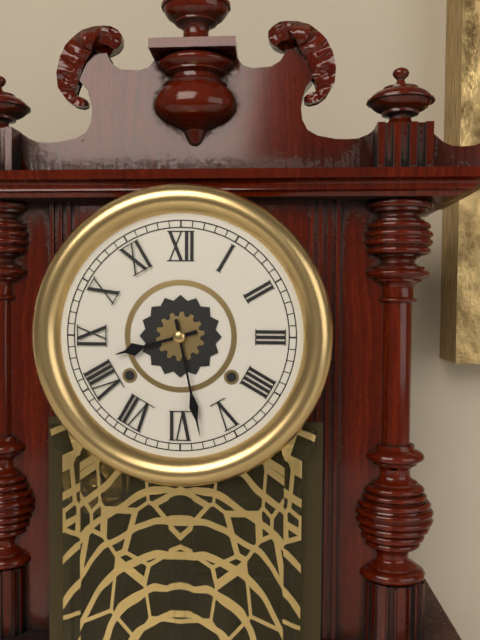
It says 8 h 28 min
